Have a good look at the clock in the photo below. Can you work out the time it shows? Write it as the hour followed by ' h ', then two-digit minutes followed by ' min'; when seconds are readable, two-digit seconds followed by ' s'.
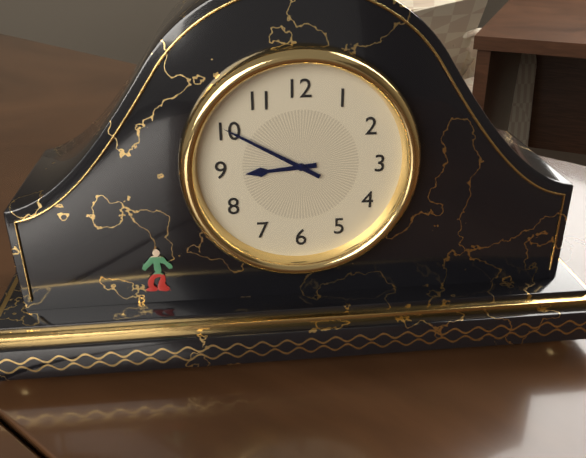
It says 8 h 50 min
